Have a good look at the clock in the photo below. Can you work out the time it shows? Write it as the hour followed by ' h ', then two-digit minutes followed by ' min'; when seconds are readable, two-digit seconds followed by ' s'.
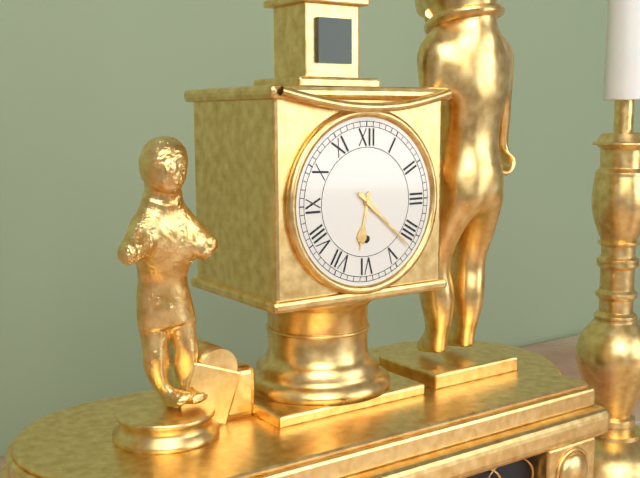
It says 6 h 22 min
